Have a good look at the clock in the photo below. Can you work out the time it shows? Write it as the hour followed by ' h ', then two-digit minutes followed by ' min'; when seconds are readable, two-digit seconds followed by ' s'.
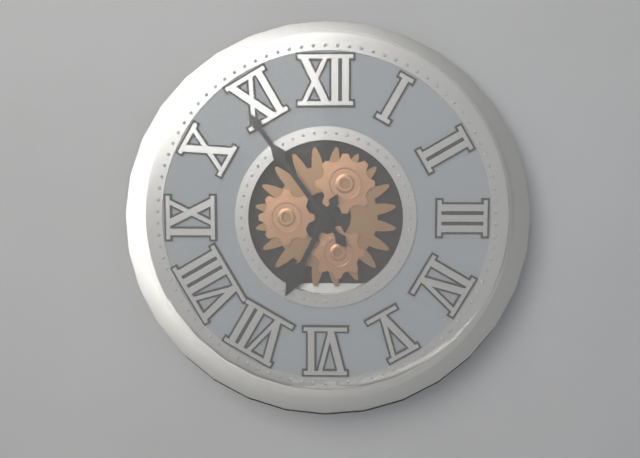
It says 6 h 54 min
